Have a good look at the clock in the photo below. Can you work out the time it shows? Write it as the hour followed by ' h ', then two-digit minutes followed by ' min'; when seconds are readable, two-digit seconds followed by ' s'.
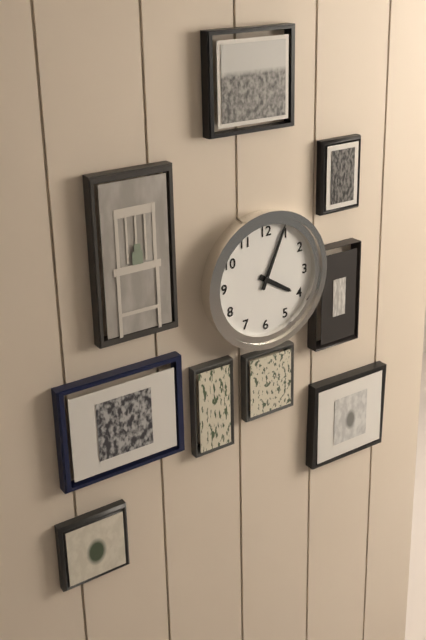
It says 4 h 04 min
